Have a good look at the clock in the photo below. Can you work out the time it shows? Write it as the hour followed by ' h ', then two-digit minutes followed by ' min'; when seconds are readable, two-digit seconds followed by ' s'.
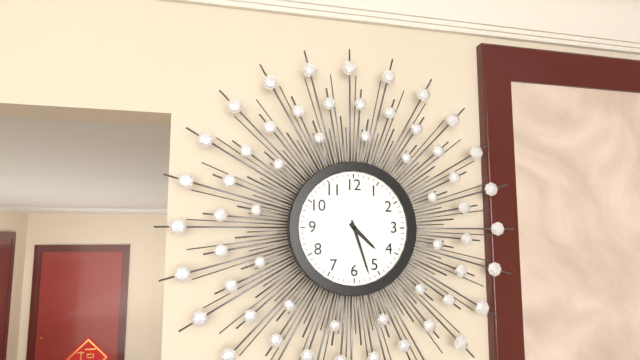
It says 4 h 27 min
